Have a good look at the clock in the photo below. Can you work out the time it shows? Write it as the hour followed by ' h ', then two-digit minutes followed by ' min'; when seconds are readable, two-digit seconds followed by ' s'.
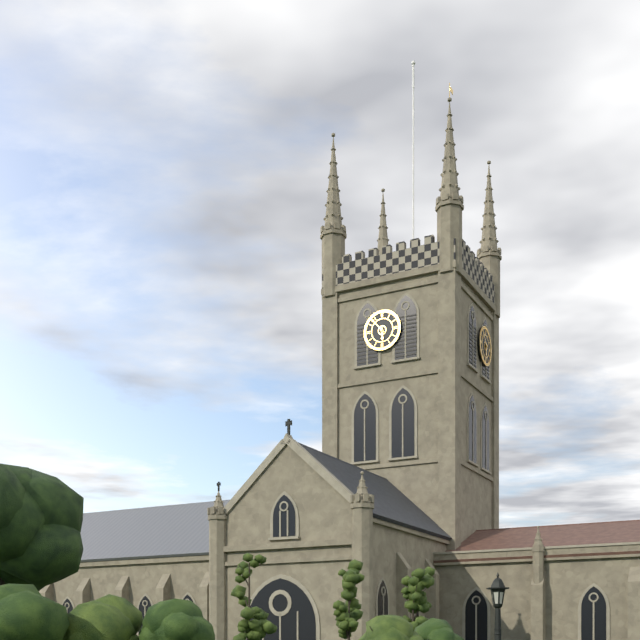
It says 5 h 53 min
